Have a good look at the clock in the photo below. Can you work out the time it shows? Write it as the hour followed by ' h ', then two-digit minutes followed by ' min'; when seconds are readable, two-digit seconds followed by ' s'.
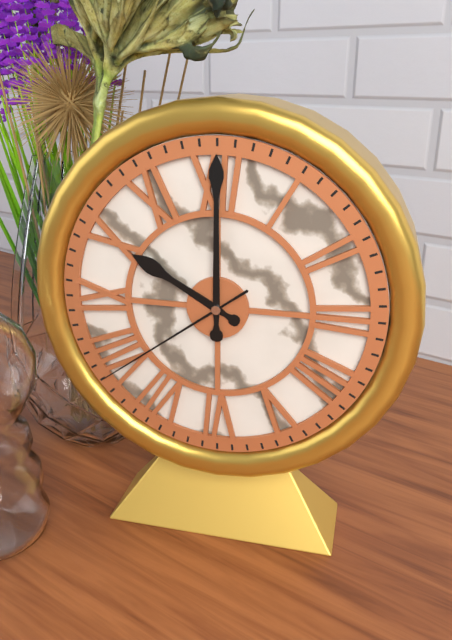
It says 10 h 00 min 39 s
